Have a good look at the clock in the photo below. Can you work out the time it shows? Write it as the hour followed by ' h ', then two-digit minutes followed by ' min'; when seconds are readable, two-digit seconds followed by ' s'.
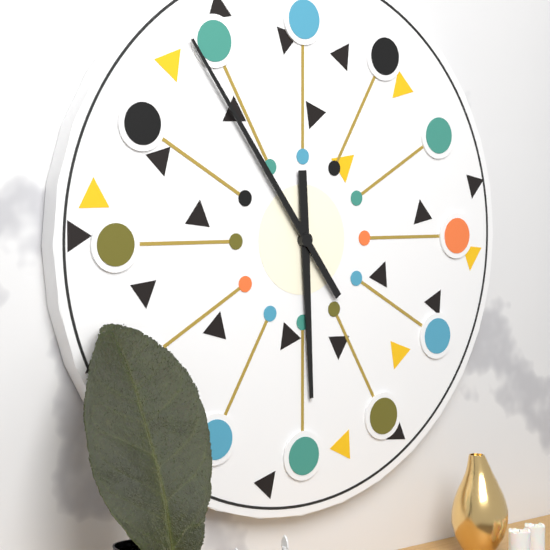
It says 5 h 54 min
